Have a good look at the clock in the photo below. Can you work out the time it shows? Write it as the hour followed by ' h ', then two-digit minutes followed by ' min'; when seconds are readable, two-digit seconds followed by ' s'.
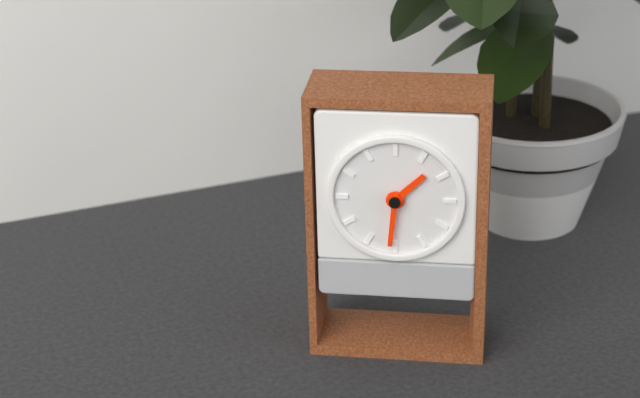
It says 1 h 31 min
